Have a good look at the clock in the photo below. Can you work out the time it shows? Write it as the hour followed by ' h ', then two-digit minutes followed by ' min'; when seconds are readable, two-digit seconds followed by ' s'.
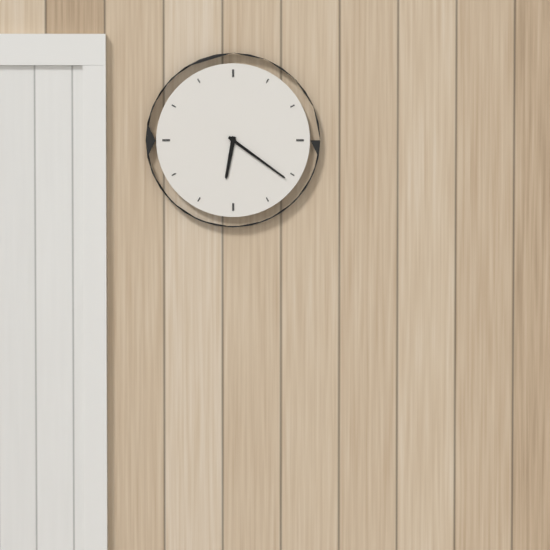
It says 6 h 21 min
